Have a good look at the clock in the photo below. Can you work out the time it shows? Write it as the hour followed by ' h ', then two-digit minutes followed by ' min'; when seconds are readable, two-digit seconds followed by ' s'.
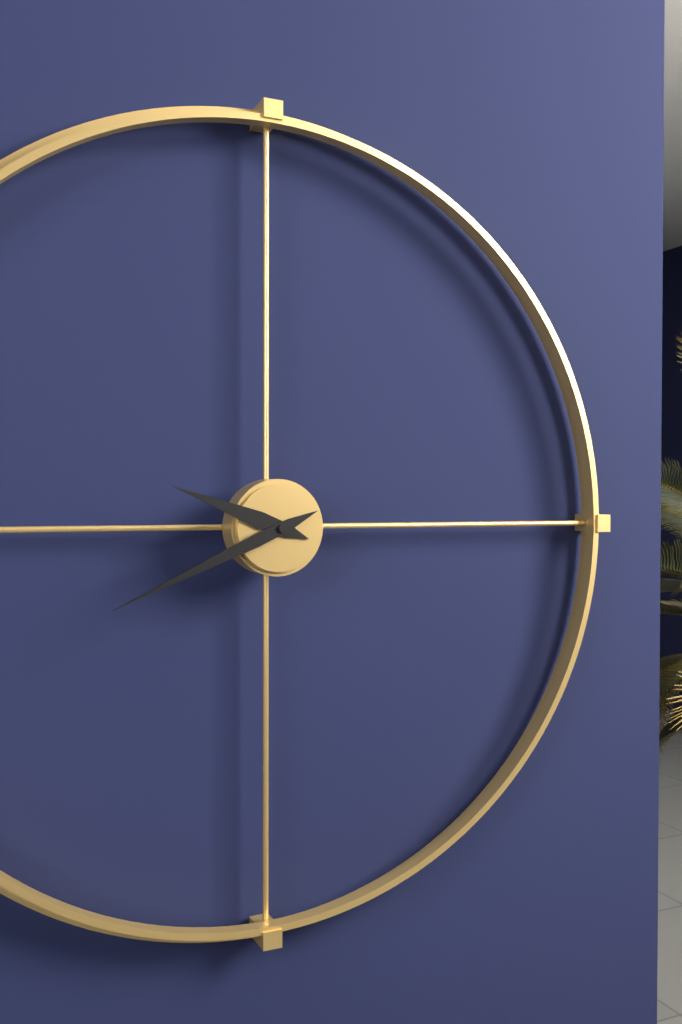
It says 9 h 41 min
